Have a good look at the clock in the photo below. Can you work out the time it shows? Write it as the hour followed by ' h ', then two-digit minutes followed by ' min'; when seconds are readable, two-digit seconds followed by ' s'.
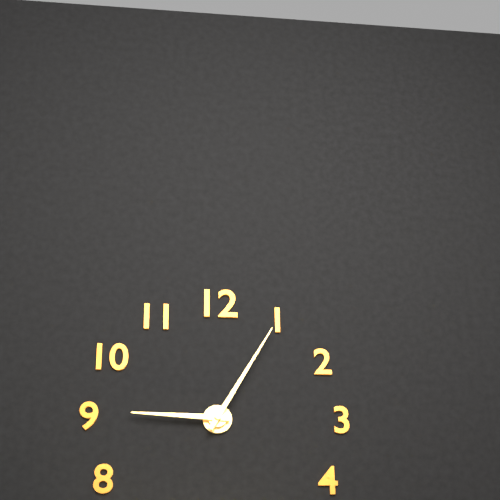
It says 9 h 05 min
